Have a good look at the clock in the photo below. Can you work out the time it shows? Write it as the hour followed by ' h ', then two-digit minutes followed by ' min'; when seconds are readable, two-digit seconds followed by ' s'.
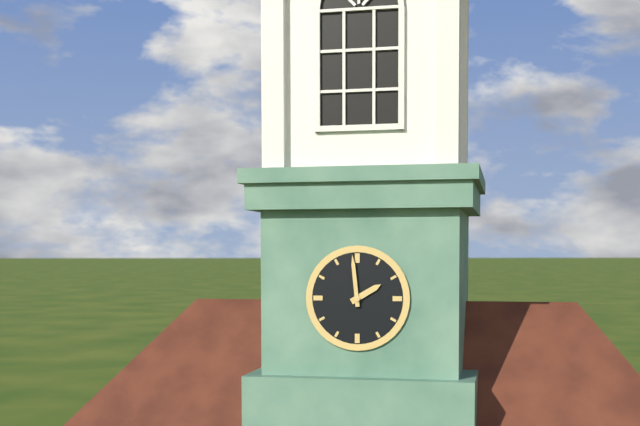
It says 1 h 59 min
